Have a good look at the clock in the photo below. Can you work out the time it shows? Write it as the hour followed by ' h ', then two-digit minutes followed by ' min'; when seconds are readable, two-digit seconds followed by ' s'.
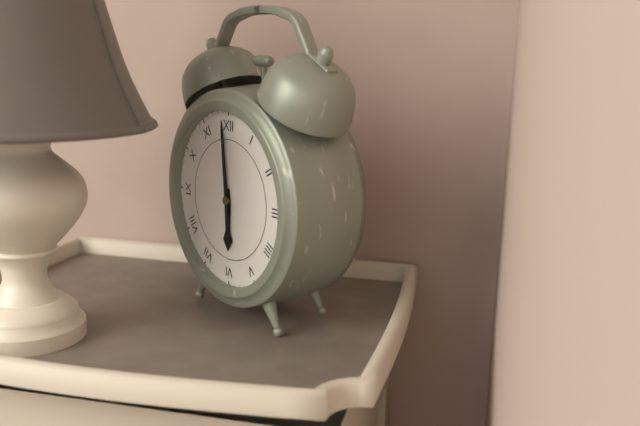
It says 5 h 59 min
